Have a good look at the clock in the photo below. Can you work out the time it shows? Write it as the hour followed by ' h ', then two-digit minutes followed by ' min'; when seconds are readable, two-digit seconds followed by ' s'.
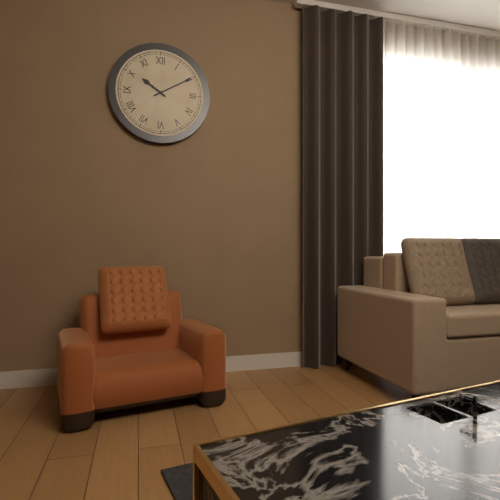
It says 10 h 10 min
